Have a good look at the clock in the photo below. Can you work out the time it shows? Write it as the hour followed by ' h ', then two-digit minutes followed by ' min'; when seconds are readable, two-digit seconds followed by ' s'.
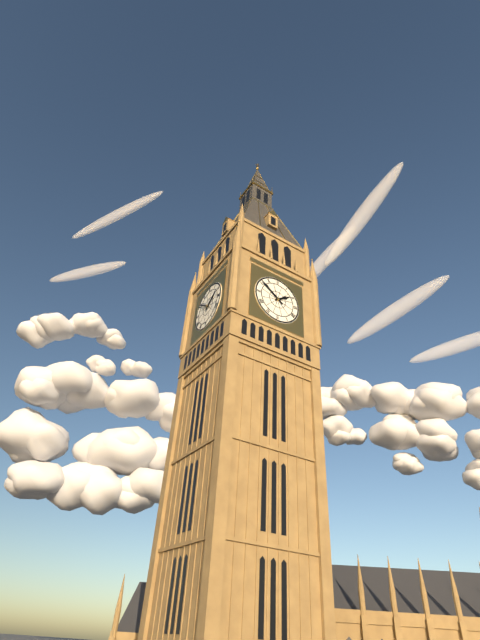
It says 1 h 51 min
